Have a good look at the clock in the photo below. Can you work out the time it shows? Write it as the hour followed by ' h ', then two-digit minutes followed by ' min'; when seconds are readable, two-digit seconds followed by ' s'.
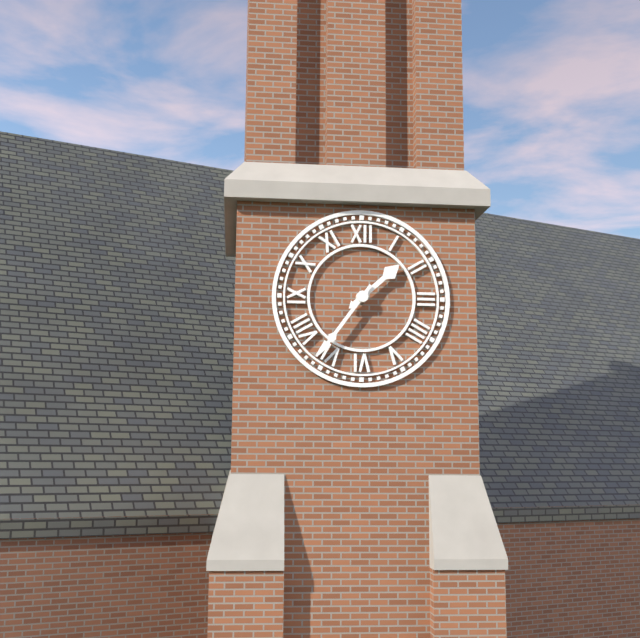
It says 1 h 36 min
